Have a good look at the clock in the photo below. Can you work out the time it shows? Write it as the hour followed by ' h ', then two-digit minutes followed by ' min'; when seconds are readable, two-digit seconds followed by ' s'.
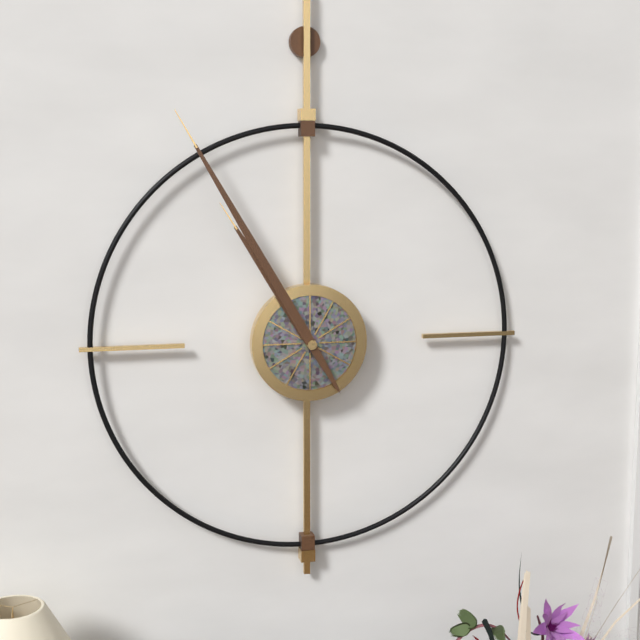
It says 10 h 55 min
